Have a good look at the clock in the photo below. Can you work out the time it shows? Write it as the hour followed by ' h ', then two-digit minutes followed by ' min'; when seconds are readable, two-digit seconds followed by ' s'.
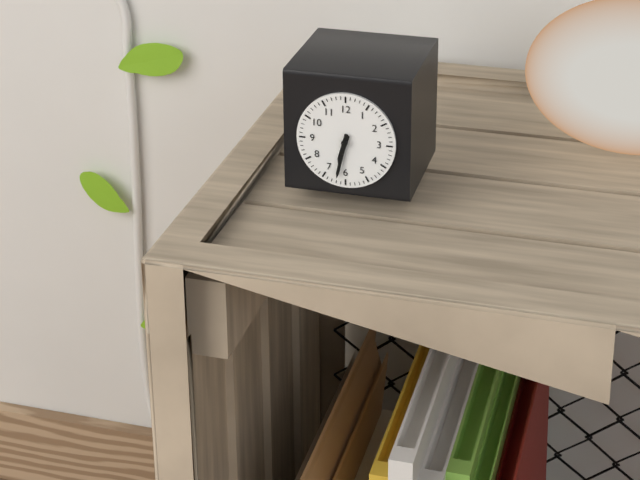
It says 6 h 32 min
